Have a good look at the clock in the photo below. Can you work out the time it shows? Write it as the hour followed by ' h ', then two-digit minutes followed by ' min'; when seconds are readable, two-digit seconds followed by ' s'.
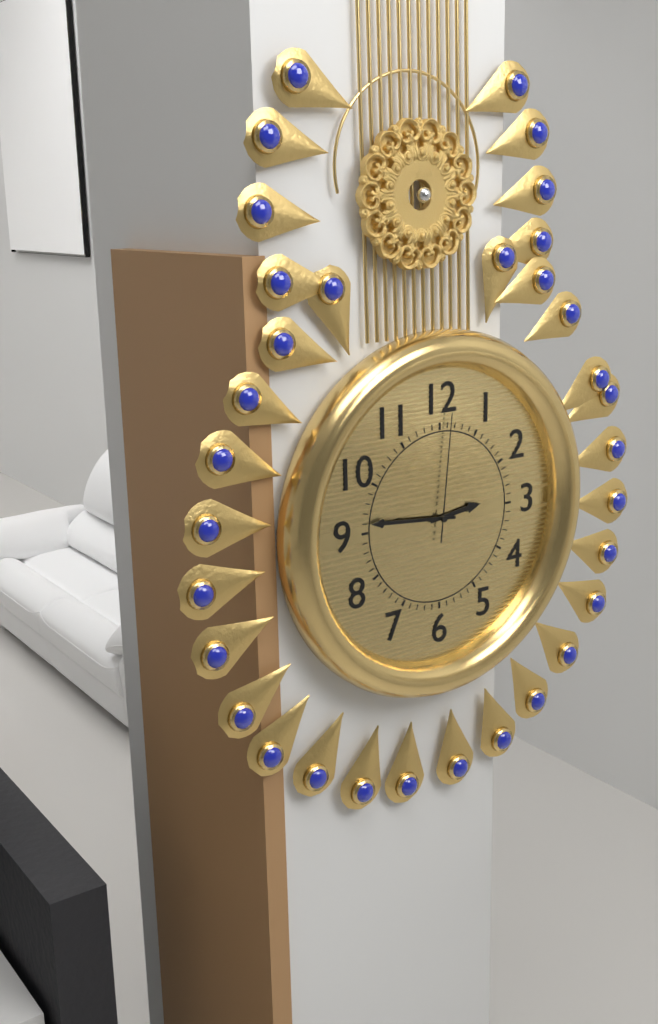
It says 2 h 46 min 01 s
